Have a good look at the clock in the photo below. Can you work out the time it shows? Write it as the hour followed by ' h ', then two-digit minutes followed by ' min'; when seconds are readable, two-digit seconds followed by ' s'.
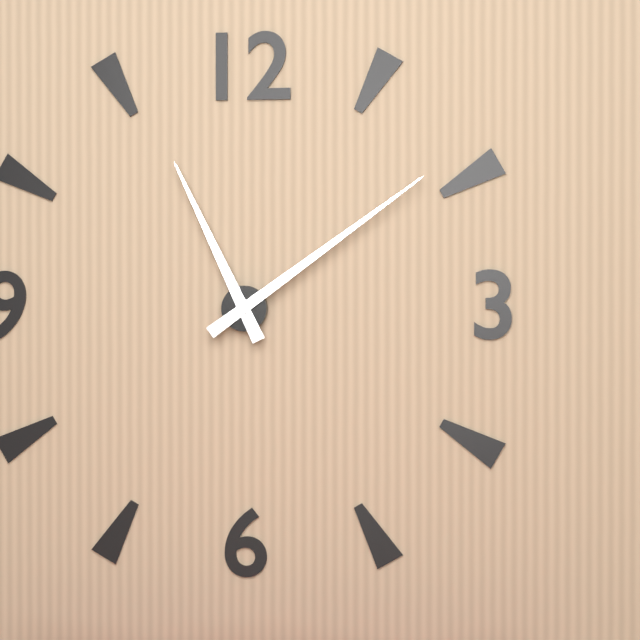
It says 11 h 09 min
